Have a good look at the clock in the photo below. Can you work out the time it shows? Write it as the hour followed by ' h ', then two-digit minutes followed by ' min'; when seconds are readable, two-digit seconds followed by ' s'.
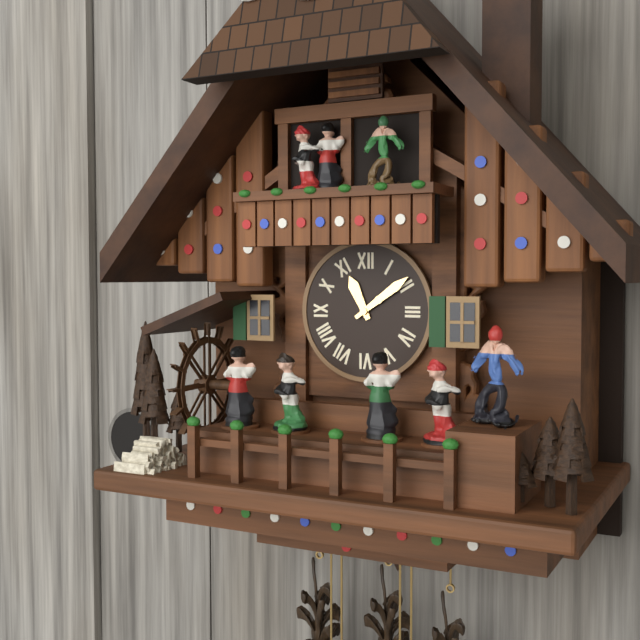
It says 11 h 09 min
